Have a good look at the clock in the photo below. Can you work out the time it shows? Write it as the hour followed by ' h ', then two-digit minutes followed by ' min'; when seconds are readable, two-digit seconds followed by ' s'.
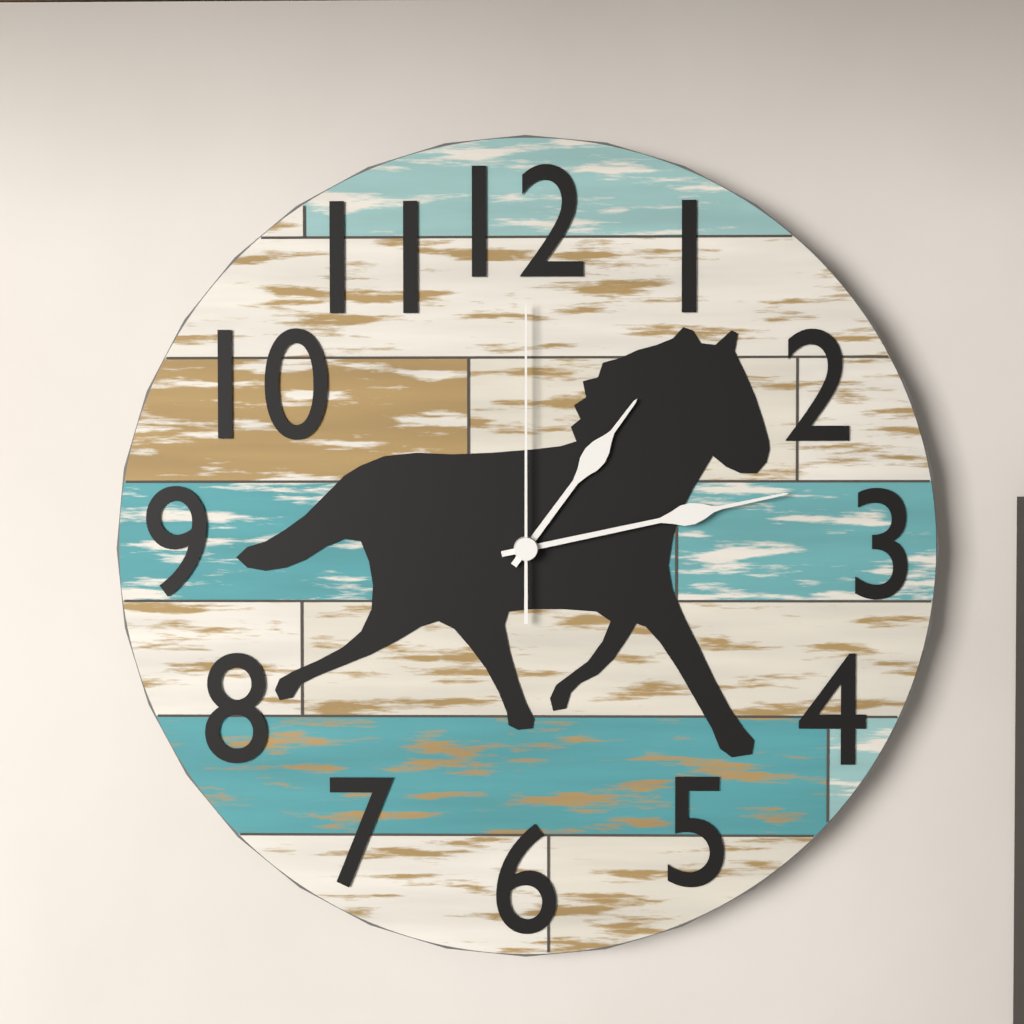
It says 1 h 13 min 00 s
